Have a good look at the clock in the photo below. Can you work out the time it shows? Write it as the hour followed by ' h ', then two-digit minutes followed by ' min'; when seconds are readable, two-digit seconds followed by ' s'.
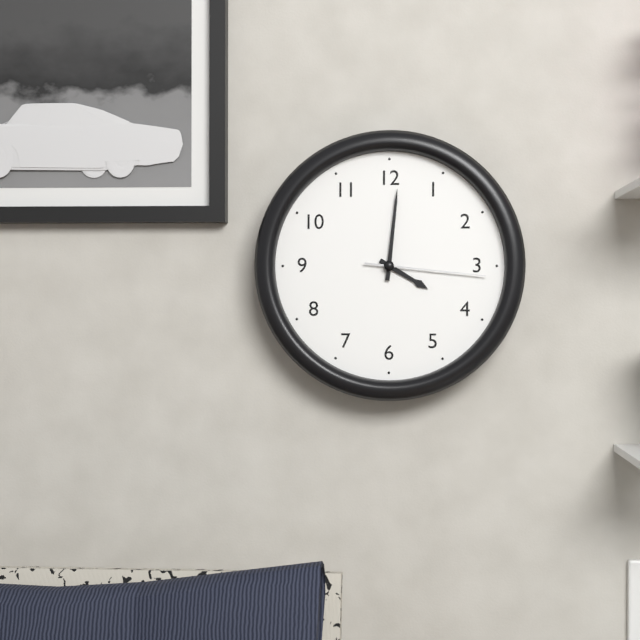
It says 4 h 01 min 16 s
